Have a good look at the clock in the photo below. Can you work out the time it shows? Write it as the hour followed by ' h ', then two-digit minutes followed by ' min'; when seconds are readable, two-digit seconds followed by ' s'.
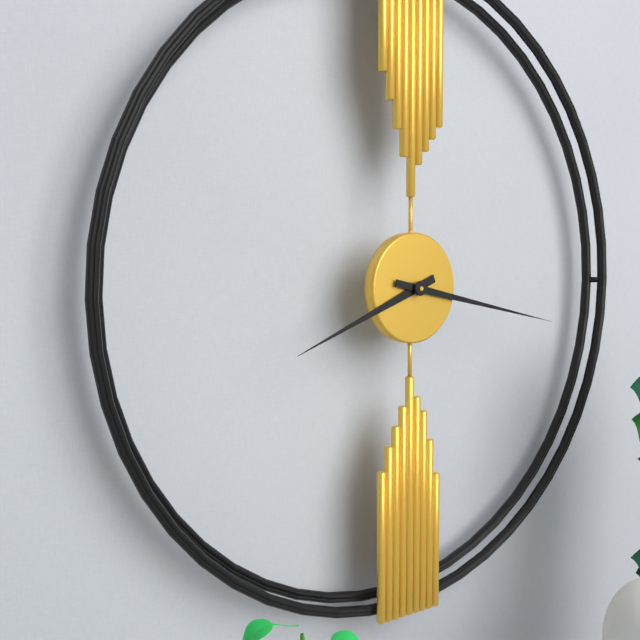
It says 8 h 17 min
